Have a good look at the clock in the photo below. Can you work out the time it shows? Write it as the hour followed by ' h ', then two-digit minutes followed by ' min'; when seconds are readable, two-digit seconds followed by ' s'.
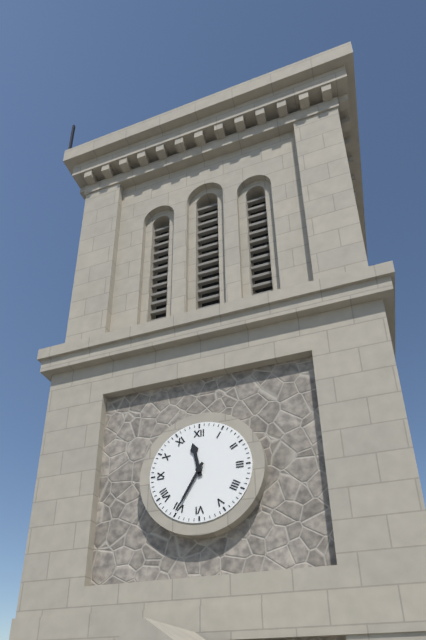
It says 11 h 35 min
